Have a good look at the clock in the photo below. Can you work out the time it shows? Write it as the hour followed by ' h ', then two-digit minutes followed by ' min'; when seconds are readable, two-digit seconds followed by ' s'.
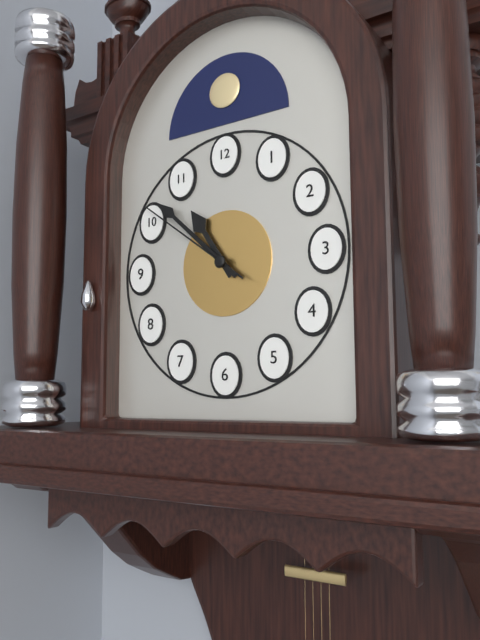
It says 10 h 52 min 51 s
